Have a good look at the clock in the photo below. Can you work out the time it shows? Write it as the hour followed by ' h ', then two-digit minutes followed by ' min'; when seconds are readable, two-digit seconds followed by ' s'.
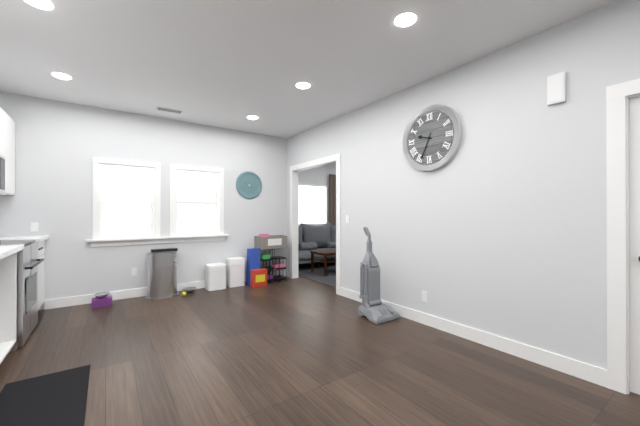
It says 9 h 34 min
